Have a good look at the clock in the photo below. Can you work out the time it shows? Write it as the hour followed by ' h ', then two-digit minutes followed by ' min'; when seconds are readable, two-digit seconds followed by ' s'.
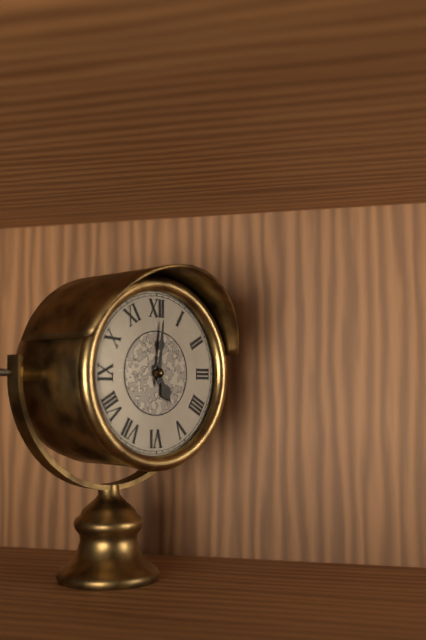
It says 5 h 01 min
